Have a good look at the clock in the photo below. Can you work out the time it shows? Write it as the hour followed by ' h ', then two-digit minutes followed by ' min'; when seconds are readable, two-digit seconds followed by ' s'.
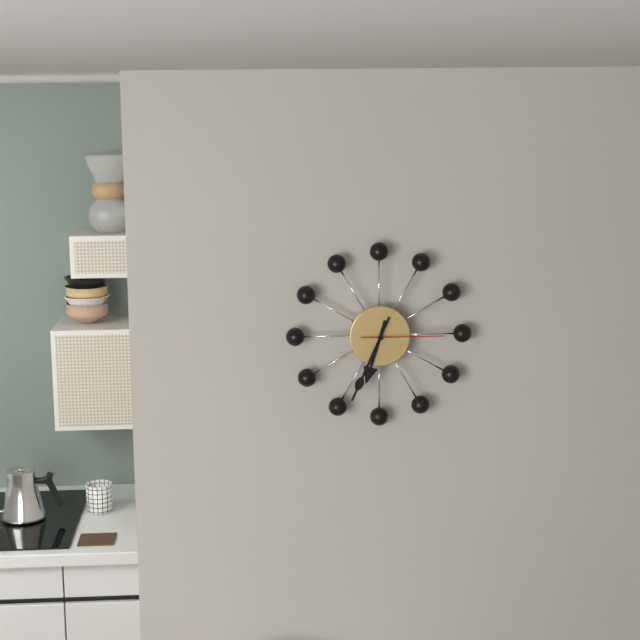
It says 6 h 34 min 15 s
